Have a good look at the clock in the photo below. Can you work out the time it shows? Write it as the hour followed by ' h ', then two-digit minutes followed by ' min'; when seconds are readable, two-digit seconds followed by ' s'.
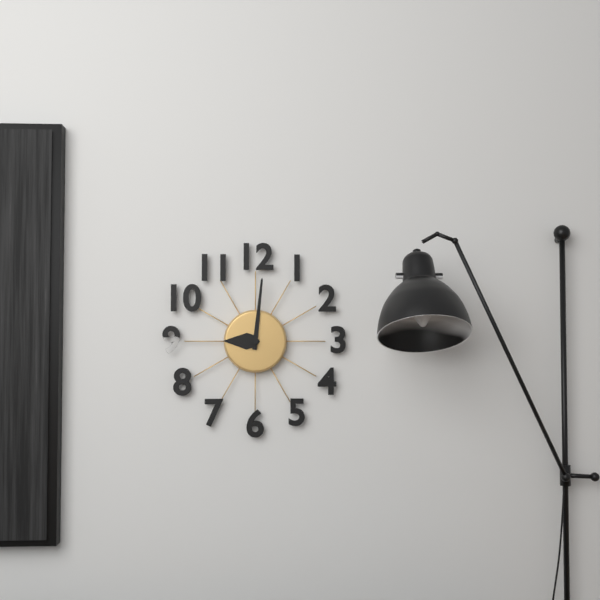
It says 9 h 01 min
